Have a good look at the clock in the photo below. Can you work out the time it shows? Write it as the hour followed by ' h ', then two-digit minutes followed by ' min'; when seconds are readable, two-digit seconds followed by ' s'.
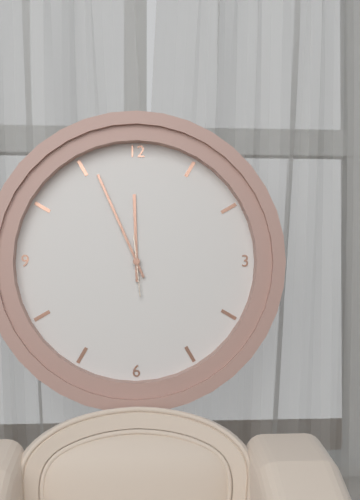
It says 11 h 56 min
